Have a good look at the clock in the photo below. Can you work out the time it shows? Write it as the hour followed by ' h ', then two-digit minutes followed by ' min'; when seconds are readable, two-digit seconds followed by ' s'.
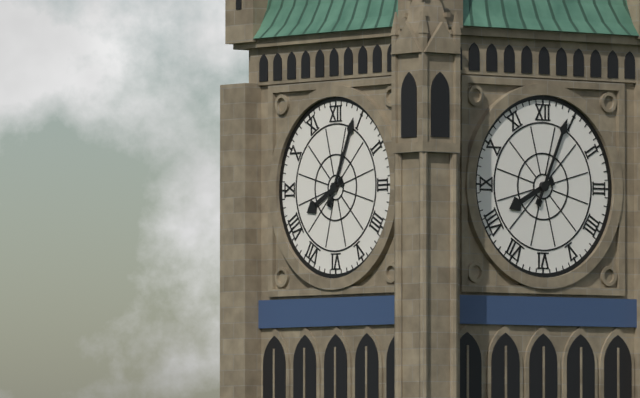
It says 8 h 04 min
